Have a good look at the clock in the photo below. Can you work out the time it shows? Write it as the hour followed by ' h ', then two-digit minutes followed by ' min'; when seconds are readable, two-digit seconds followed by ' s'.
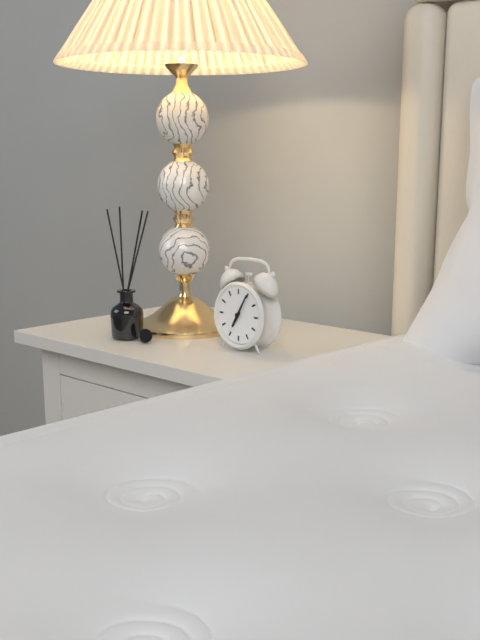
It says 7 h 05 min
